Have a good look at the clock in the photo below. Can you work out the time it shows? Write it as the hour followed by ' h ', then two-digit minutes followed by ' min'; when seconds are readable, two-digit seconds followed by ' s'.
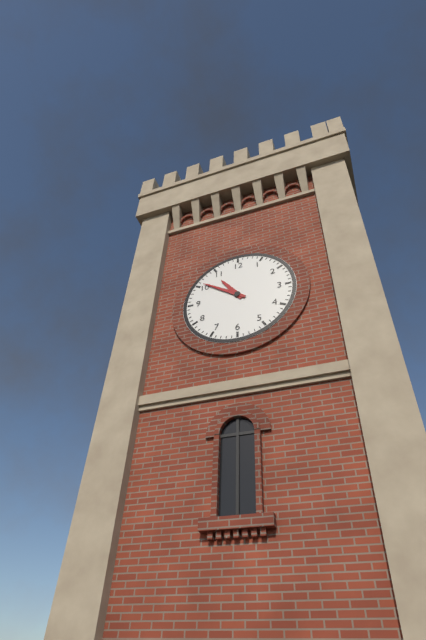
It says 10 h 51 min
